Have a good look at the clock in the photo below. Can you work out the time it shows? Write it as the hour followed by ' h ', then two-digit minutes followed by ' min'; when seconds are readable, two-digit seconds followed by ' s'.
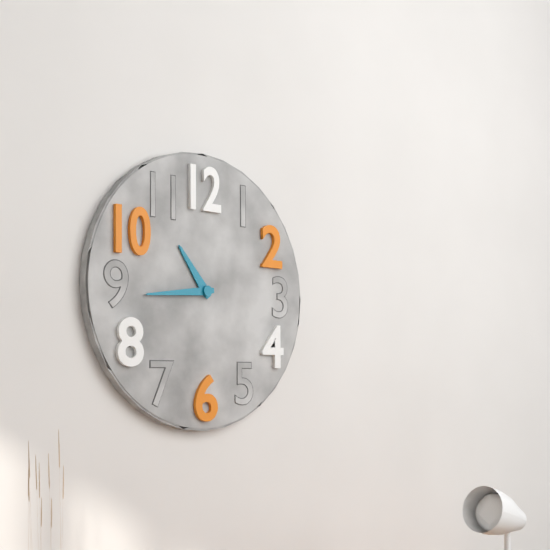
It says 10 h 44 min
